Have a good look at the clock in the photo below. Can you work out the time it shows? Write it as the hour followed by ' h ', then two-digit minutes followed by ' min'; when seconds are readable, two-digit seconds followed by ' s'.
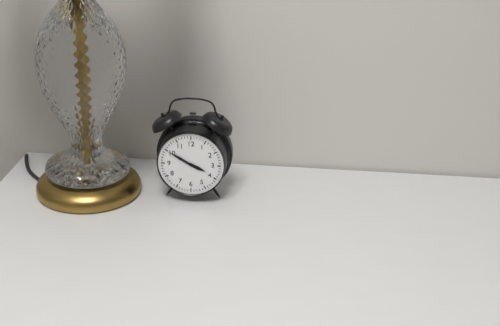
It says 3 h 50 min
